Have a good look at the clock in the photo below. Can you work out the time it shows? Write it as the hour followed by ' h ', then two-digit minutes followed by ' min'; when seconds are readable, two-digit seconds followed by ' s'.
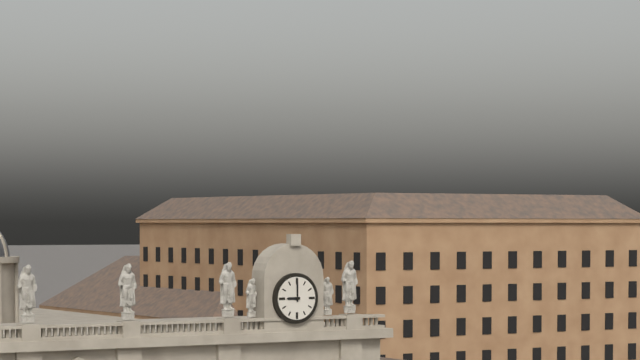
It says 9 h 00 min
